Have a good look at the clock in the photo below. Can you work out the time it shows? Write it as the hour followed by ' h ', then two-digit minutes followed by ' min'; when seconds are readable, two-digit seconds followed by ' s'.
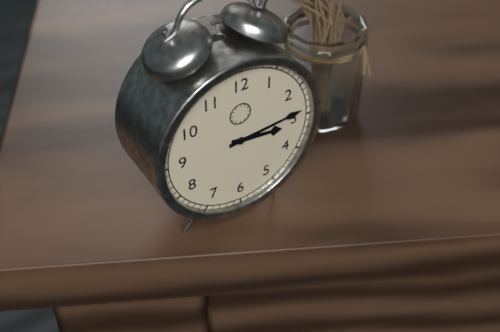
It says 3 h 14 min
